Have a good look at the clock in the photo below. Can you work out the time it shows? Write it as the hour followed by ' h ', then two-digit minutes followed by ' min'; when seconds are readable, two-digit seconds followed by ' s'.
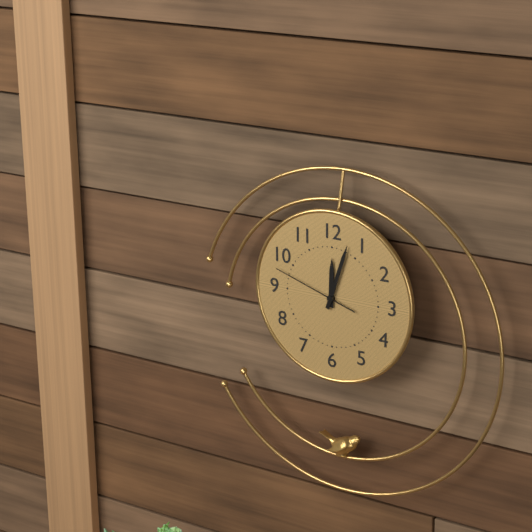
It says 12 h 03 min 48 s
